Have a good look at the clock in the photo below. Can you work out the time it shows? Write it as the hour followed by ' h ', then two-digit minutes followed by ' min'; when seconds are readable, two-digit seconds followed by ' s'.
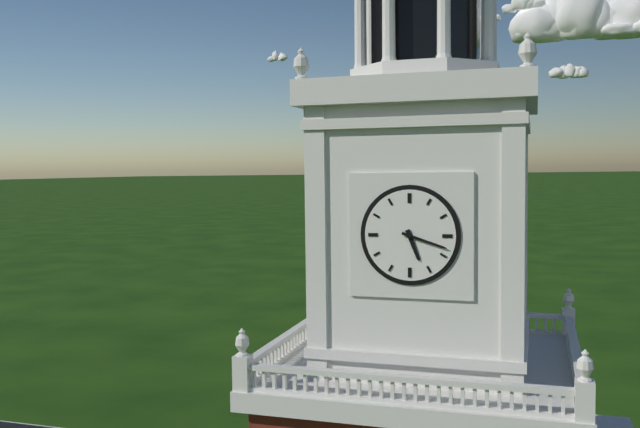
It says 5 h 18 min
